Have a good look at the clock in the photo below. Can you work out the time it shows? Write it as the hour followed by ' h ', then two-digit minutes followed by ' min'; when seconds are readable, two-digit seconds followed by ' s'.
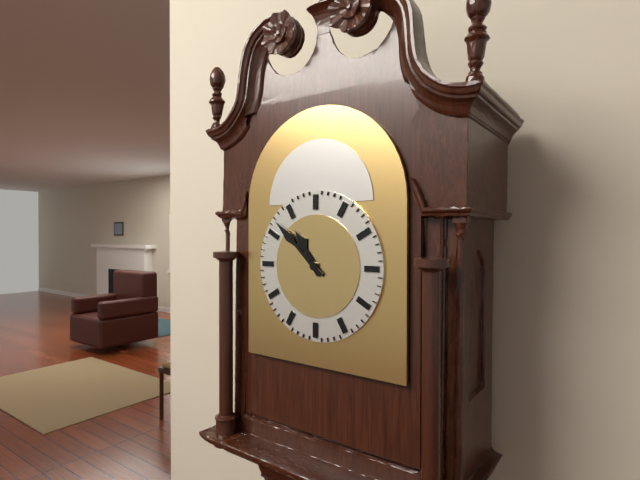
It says 10 h 52 min
